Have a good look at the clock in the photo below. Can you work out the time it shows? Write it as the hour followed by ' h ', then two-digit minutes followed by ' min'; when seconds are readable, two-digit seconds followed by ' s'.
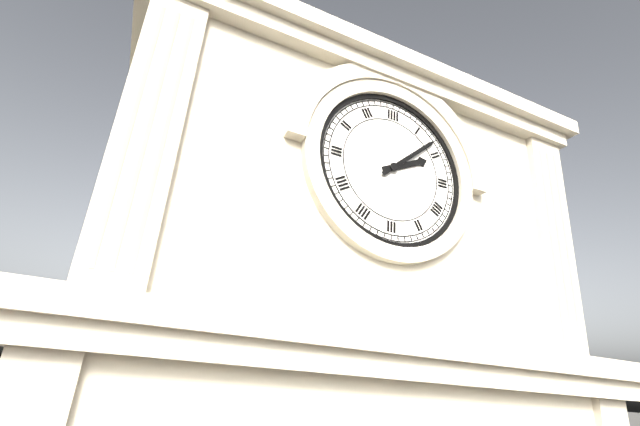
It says 2 h 08 min
